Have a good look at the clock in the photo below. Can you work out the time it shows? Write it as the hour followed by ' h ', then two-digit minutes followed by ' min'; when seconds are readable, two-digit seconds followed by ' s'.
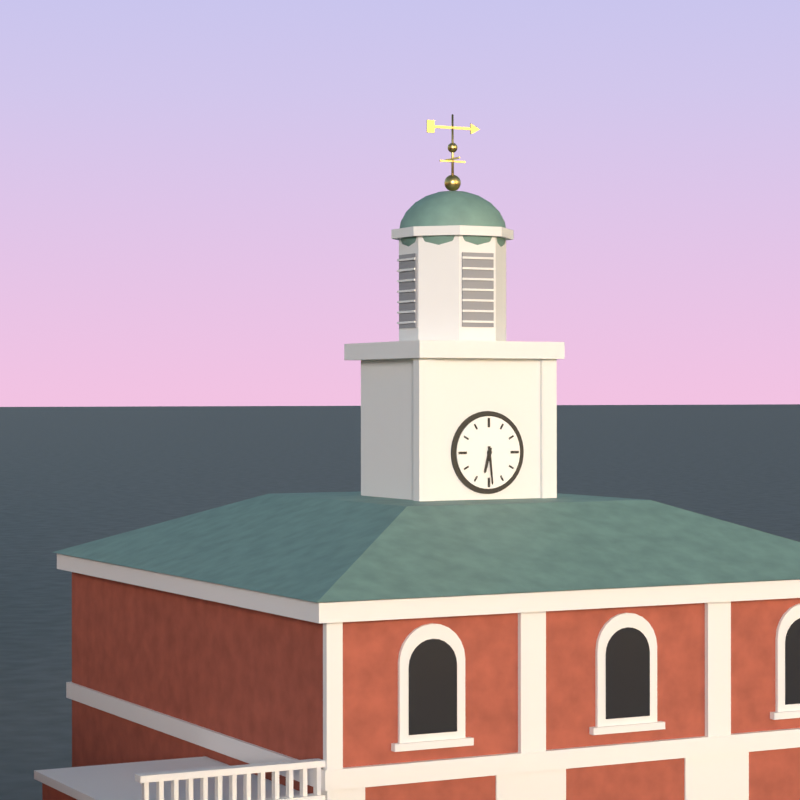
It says 6 h 29 min
